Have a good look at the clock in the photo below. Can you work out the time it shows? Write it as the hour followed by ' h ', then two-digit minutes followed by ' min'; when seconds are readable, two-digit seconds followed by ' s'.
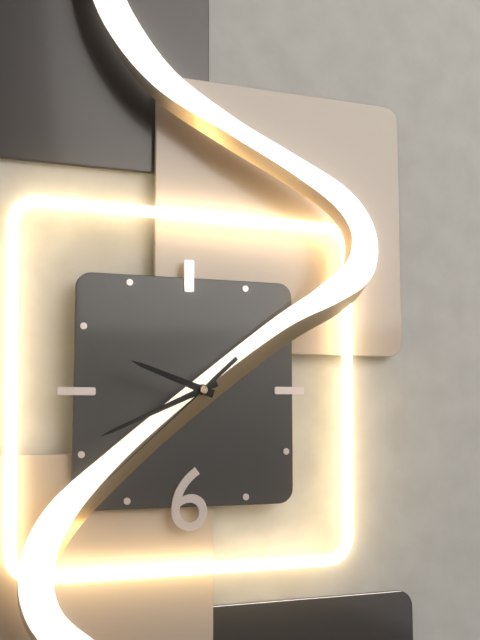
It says 9 h 41 min 38 s
